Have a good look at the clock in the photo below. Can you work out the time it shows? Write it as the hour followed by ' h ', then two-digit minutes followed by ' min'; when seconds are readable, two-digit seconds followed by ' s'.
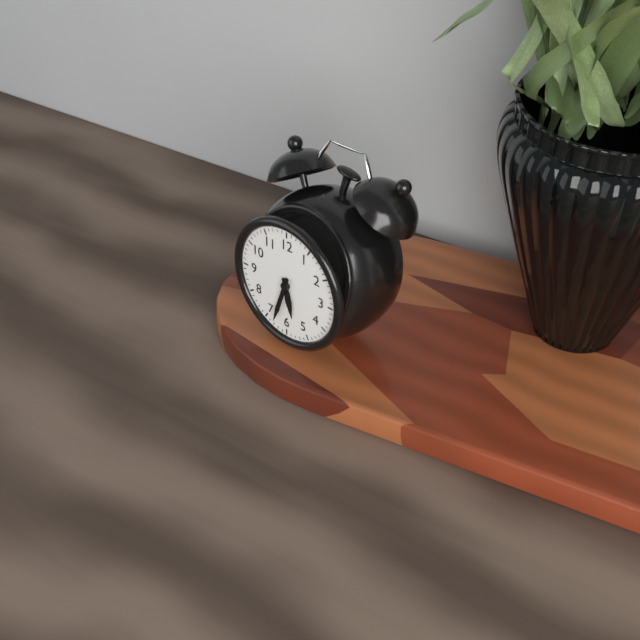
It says 5 h 33 min
